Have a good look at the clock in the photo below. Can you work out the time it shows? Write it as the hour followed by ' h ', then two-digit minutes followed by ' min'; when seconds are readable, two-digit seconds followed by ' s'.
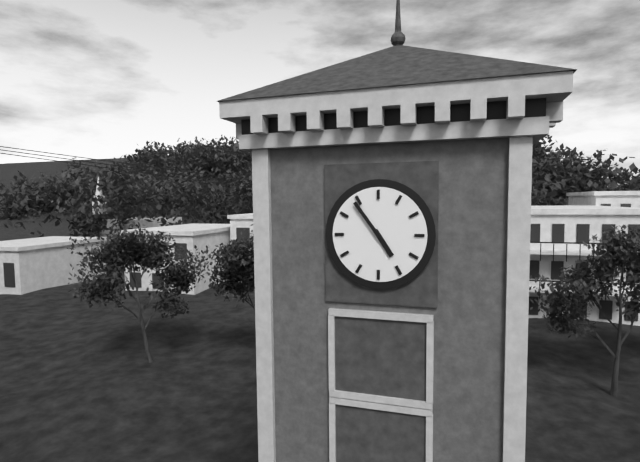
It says 4 h 54 min
